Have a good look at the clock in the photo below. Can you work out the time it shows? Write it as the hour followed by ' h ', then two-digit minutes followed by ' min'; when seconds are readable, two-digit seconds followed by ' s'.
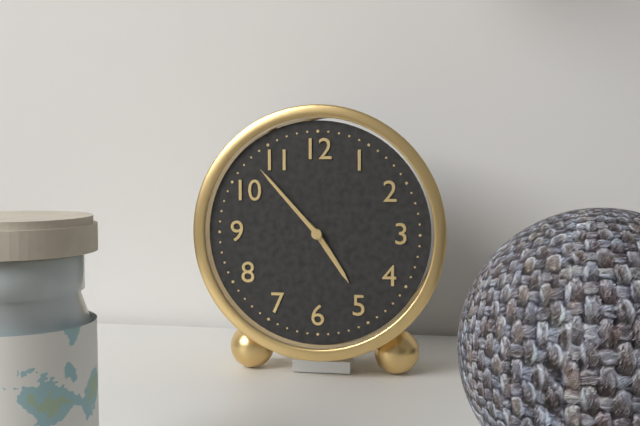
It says 4 h 53 min
